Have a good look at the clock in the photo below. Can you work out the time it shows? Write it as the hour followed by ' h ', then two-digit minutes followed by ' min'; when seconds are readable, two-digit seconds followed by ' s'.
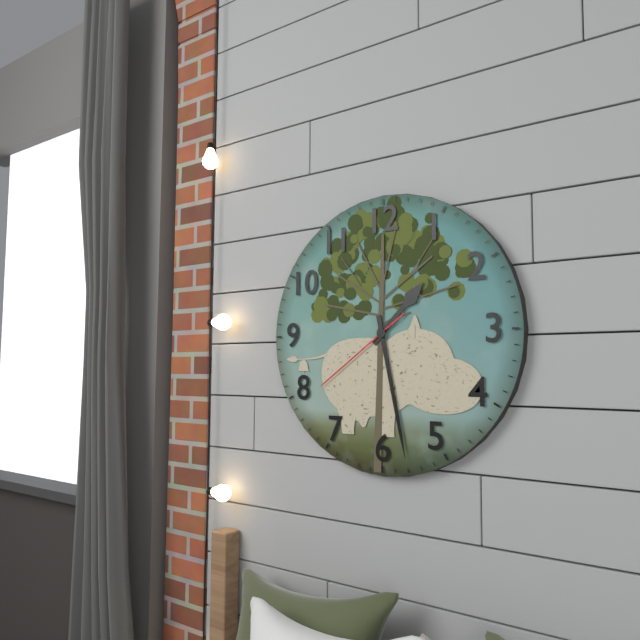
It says 1 h 28 min 39 s
